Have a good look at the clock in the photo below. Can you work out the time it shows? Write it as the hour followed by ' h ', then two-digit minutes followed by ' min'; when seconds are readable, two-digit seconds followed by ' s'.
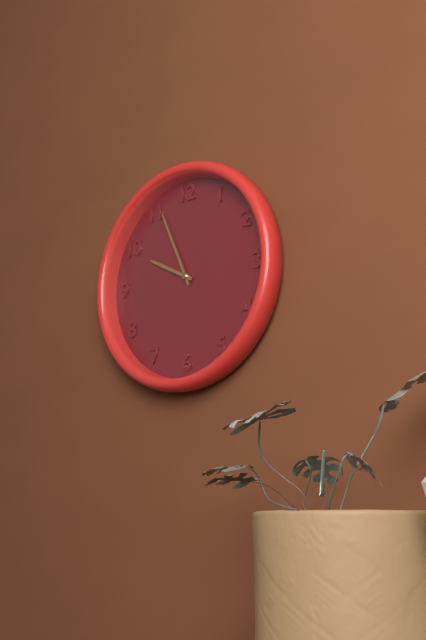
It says 9 h 56 min
